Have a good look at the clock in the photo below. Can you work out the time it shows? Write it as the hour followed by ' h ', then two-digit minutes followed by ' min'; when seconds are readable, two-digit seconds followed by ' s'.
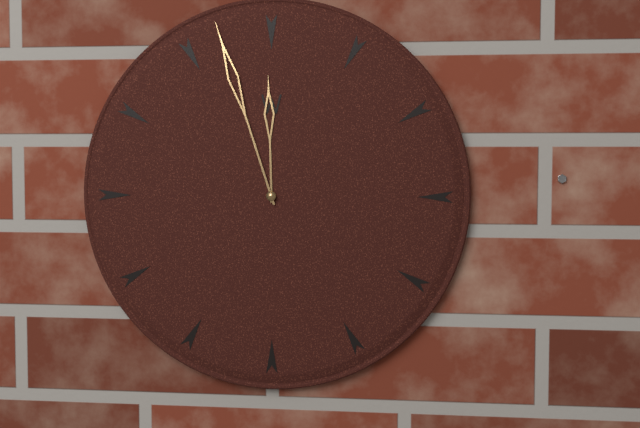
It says 11 h 57 min
